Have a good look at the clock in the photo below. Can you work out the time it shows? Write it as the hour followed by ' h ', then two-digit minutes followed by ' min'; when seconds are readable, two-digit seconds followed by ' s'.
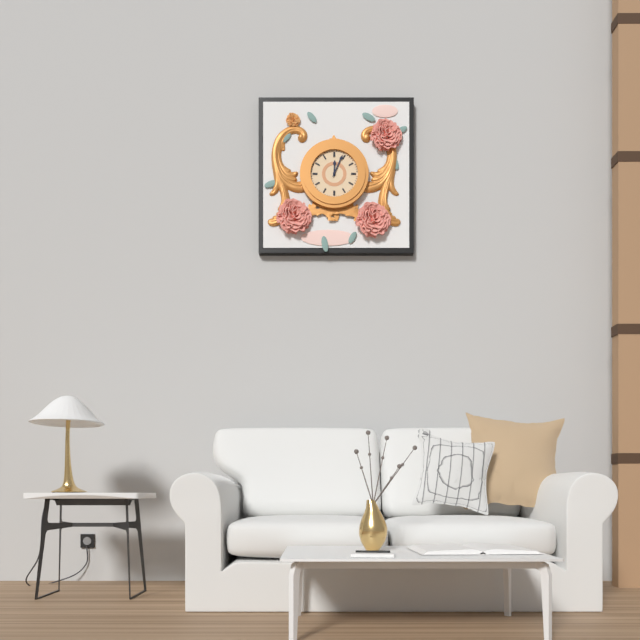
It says 12 h 04 min
